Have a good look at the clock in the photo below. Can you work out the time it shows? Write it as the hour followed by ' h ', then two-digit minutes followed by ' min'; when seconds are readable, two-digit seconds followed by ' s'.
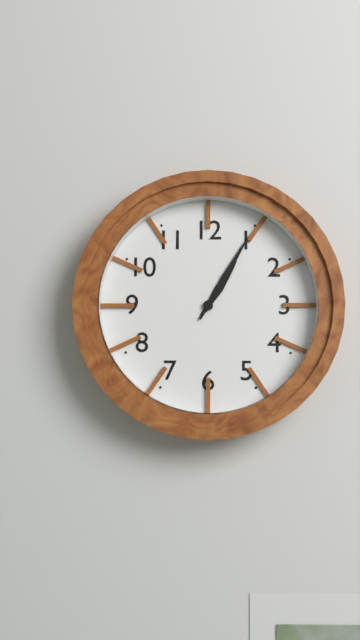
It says 1 h 05 min
